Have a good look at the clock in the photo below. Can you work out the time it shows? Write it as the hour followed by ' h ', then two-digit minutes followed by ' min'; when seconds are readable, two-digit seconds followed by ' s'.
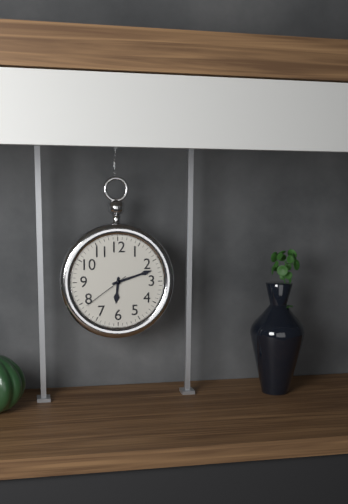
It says 6 h 12 min
